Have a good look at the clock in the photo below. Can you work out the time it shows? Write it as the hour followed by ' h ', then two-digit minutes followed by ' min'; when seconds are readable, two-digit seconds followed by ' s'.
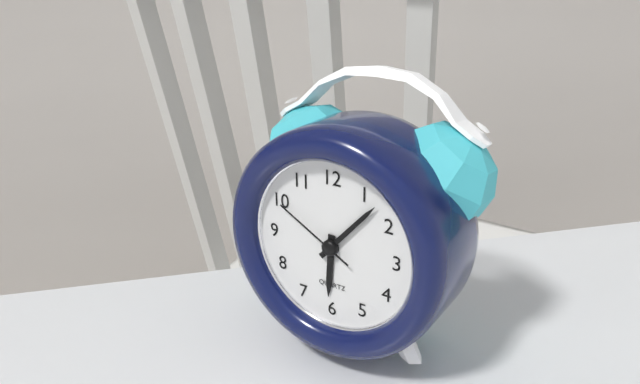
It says 6 h 07 min 50 s
